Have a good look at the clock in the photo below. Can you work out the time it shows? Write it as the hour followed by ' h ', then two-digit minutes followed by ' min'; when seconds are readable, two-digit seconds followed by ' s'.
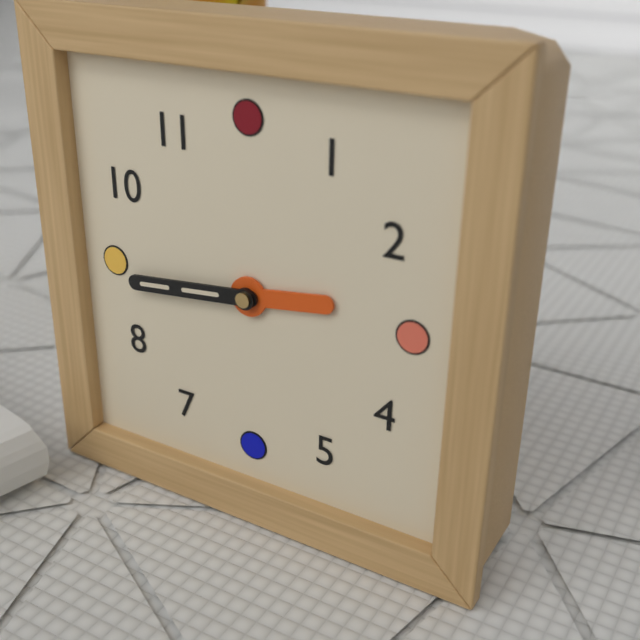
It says 2 h 44 min
